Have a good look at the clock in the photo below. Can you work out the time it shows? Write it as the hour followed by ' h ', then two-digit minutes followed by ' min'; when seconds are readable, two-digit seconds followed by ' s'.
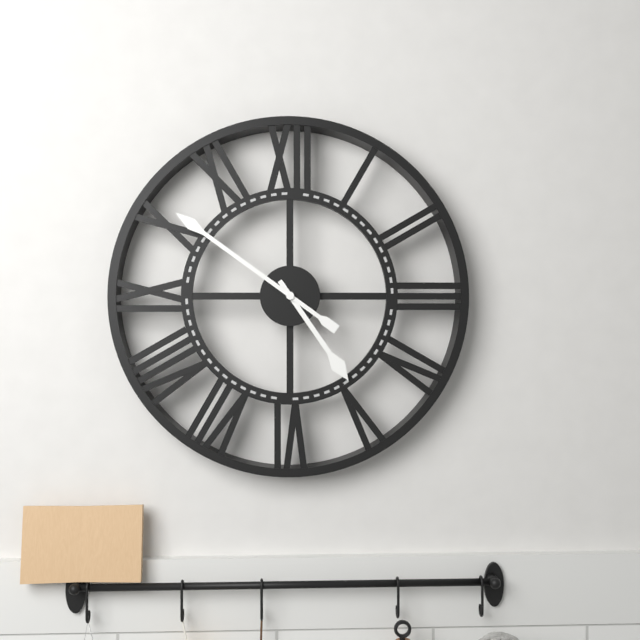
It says 4 h 51 min
